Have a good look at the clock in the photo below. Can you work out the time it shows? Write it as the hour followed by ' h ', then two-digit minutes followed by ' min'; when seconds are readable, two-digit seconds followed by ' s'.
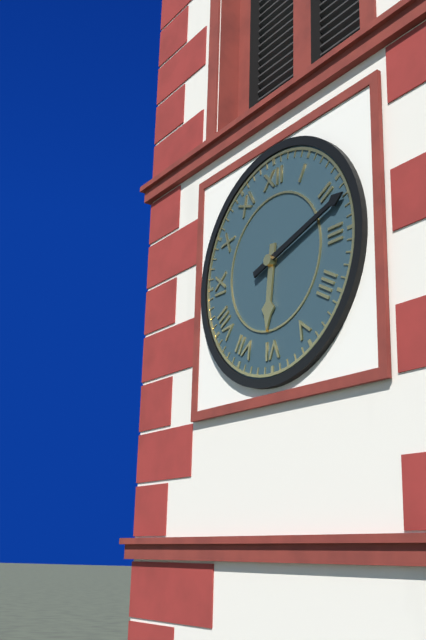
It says 6 h 12 min
